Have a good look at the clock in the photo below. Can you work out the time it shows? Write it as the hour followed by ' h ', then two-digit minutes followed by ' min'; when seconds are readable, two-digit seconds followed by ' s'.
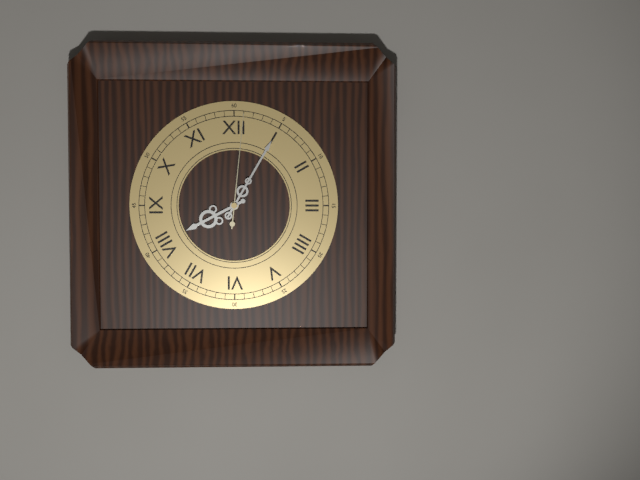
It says 8 h 05 min 01 s
